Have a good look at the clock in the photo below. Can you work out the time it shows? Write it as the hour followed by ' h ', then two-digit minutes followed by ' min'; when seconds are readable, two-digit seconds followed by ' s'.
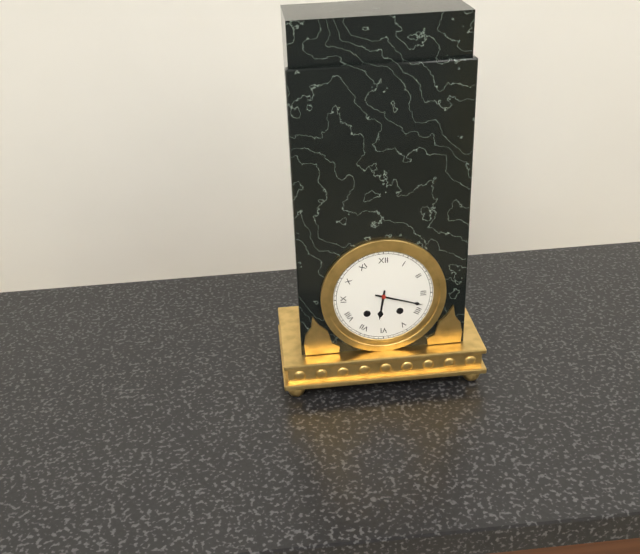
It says 6 h 18 min
